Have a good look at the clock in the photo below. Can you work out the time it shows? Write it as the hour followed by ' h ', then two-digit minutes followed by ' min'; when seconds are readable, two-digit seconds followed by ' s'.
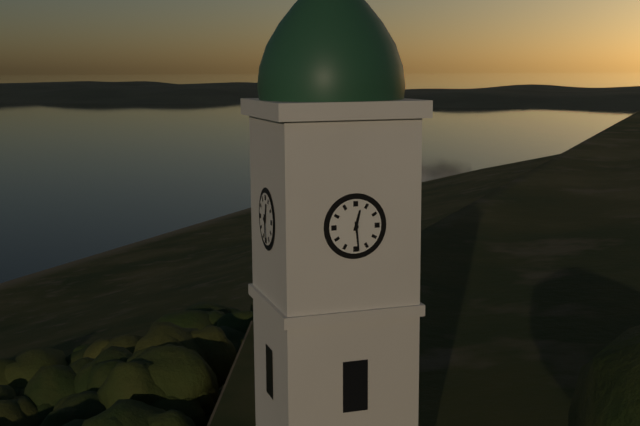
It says 12 h 29 min
